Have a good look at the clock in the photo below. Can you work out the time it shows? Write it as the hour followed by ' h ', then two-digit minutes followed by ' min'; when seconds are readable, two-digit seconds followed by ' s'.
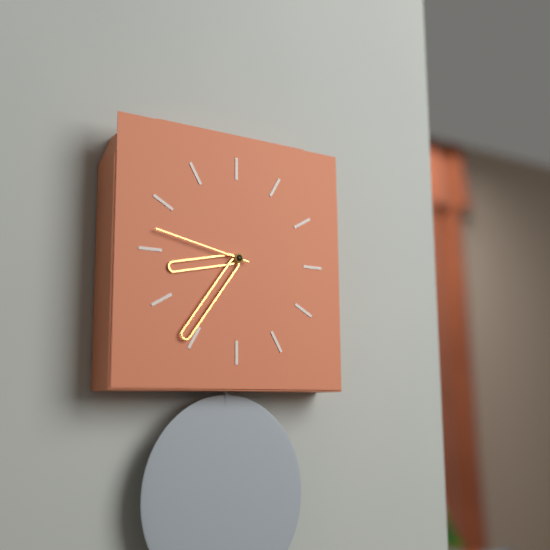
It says 8 h 36 min 47 s
